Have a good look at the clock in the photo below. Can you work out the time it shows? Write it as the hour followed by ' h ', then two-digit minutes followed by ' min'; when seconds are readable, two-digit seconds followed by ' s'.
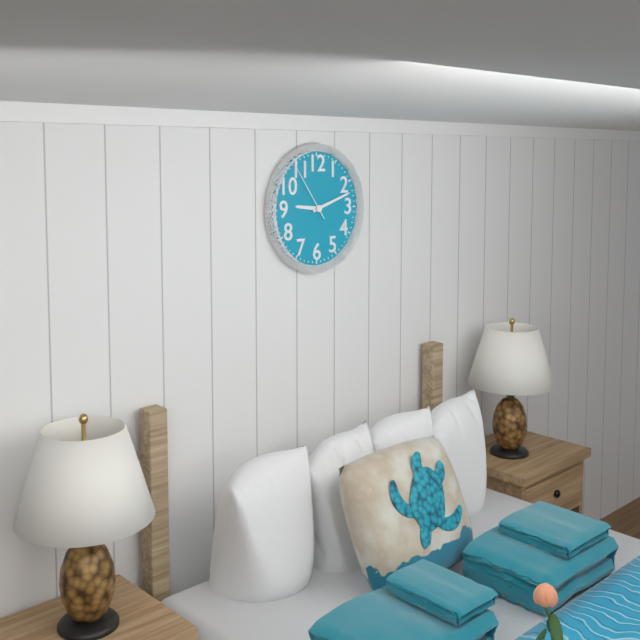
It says 9 h 12 min 54 s
